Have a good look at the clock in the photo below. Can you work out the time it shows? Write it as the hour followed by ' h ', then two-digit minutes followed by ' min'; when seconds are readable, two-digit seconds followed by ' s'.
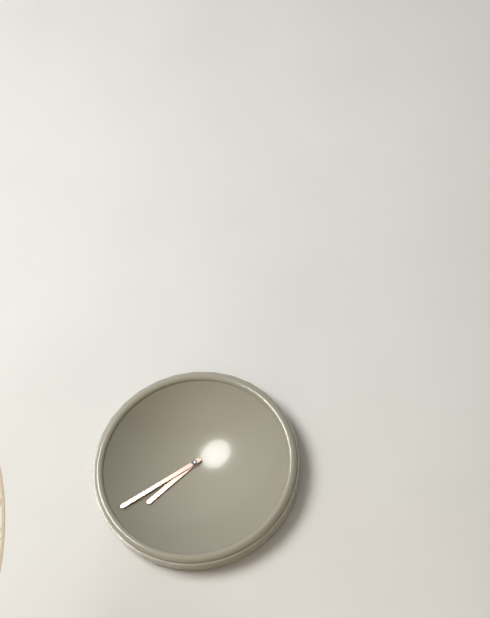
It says 7 h 40 min
